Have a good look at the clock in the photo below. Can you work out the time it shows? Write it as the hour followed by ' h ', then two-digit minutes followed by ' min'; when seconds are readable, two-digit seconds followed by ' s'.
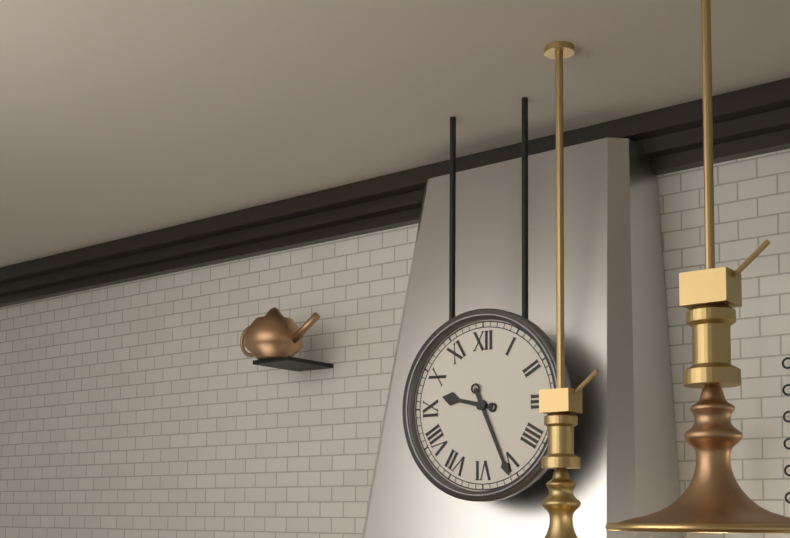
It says 9 h 26 min
